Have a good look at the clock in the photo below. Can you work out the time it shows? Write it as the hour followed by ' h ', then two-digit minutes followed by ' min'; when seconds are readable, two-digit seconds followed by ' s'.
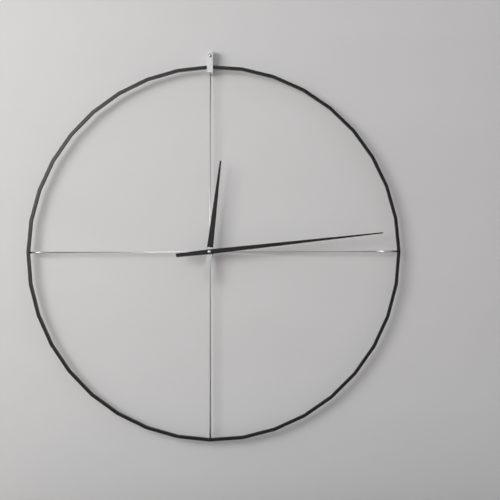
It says 12 h 14 min
